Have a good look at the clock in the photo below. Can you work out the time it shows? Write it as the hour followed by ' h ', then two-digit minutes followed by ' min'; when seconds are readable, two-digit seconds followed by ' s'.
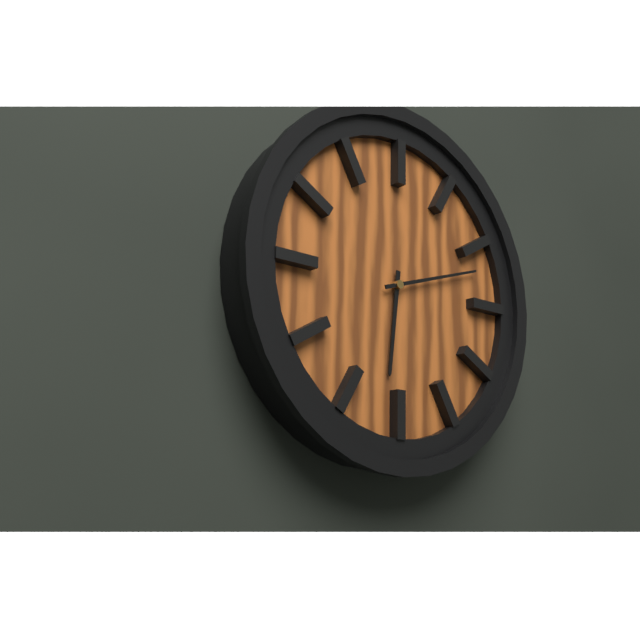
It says 6 h 12 min
